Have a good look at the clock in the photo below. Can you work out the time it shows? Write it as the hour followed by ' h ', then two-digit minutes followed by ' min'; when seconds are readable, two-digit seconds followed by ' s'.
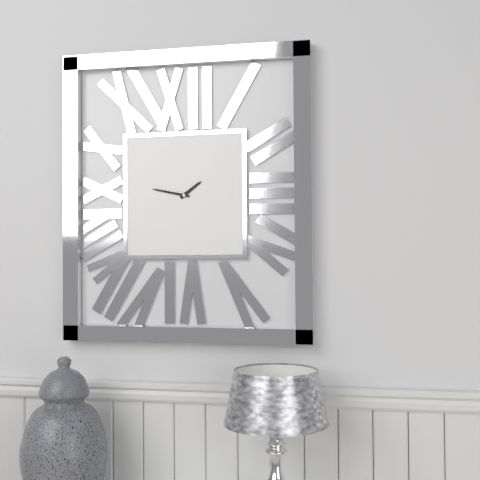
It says 1 h 47 min
